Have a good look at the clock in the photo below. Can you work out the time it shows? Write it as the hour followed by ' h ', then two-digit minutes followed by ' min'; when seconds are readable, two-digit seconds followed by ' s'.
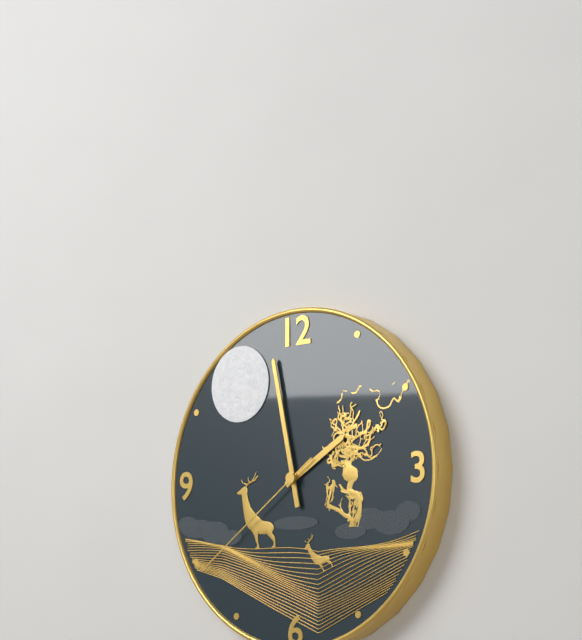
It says 1 h 58 min 39 s
